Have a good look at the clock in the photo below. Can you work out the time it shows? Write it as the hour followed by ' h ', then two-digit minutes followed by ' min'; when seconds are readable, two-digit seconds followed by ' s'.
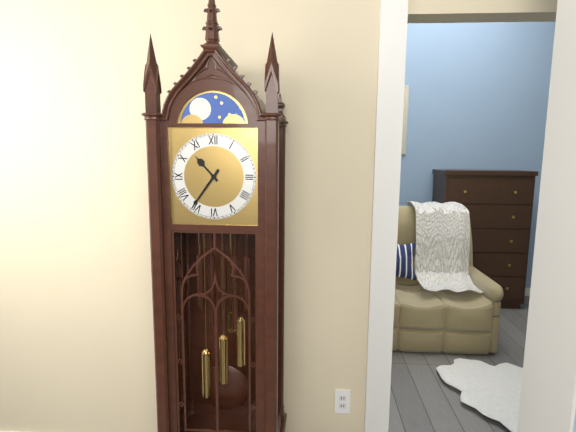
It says 10 h 36 min
